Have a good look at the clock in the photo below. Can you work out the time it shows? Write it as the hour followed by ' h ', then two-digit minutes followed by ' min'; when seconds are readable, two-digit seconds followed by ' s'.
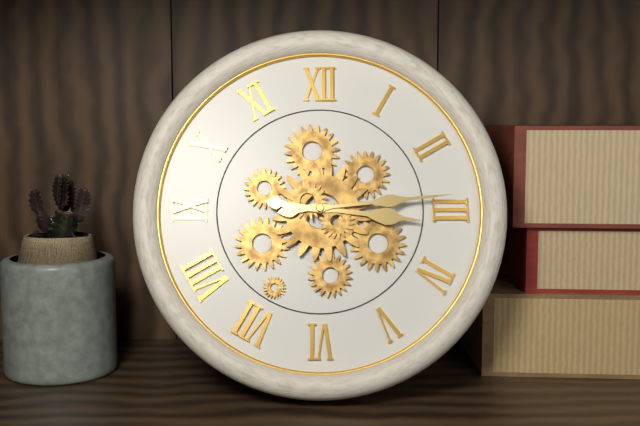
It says 3 h 14 min
